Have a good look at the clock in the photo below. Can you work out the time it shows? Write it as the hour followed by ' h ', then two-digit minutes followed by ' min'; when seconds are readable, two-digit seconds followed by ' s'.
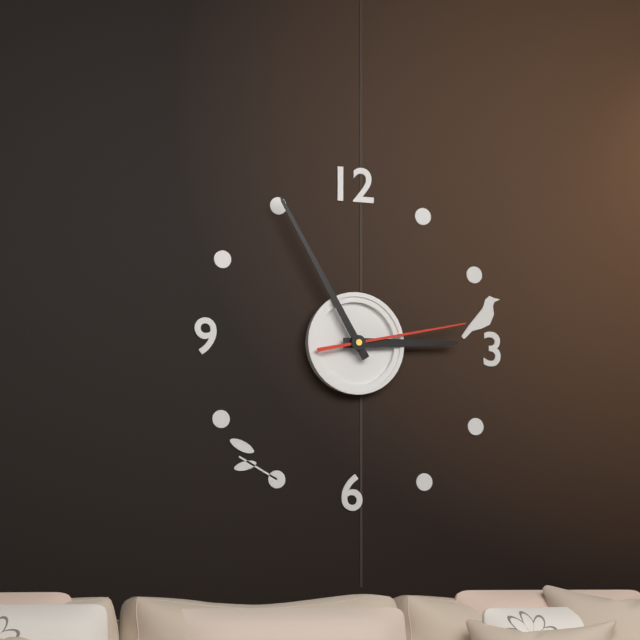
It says 2 h 55 min 13 s
